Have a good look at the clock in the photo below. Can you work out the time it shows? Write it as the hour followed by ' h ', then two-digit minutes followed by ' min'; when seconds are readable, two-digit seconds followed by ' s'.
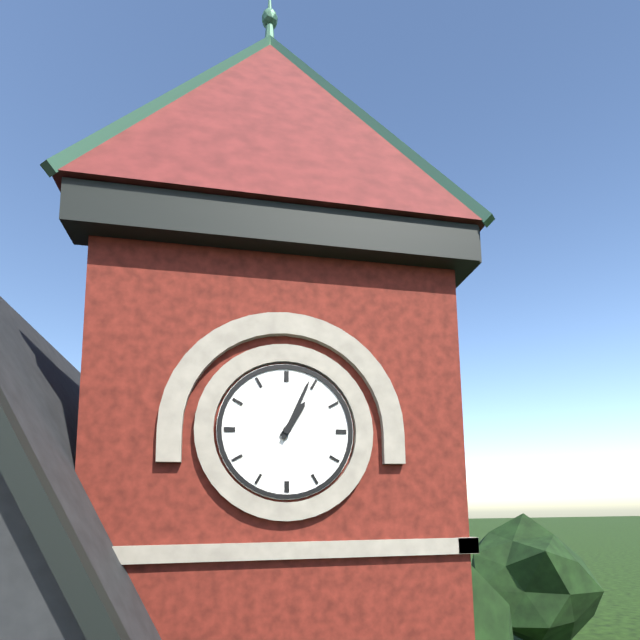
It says 1 h 04 min
